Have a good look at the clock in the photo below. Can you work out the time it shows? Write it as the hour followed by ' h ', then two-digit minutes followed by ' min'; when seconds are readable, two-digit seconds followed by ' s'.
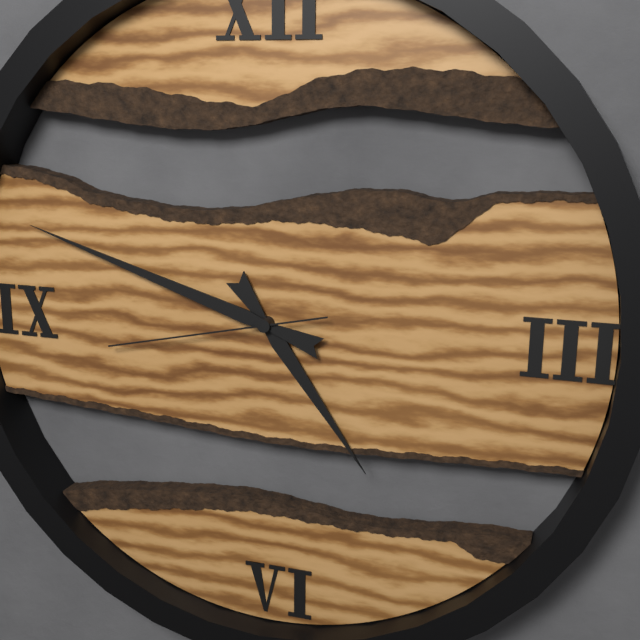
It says 4 h 48 min 43 s
